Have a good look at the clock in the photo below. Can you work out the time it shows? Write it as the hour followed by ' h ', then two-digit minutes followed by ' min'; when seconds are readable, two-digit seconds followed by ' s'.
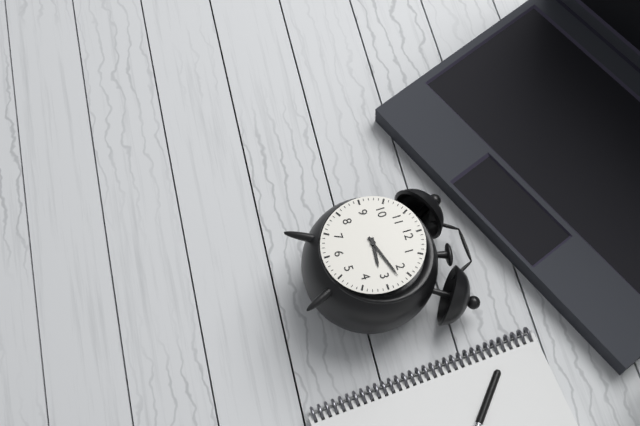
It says 3 h 12 min
